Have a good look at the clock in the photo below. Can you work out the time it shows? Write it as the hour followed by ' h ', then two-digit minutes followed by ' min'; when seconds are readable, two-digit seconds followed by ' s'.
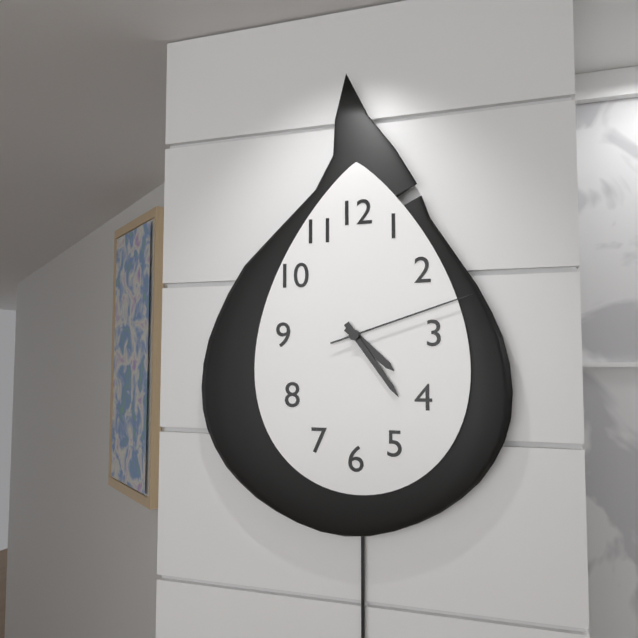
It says 4 h 24 min 12 s
